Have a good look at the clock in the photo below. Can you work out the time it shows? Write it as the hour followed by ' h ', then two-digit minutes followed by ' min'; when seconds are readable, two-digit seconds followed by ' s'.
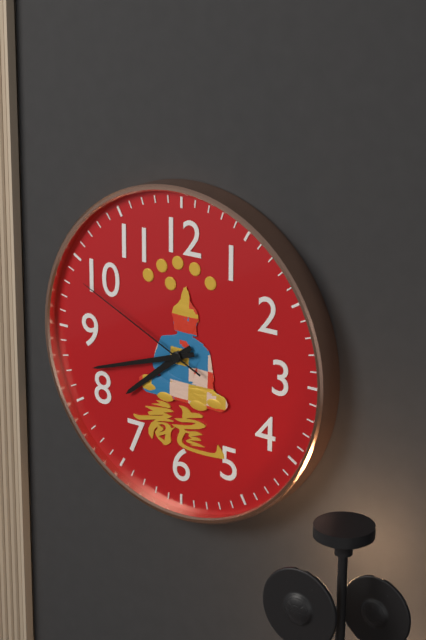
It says 7 h 42 min 49 s
